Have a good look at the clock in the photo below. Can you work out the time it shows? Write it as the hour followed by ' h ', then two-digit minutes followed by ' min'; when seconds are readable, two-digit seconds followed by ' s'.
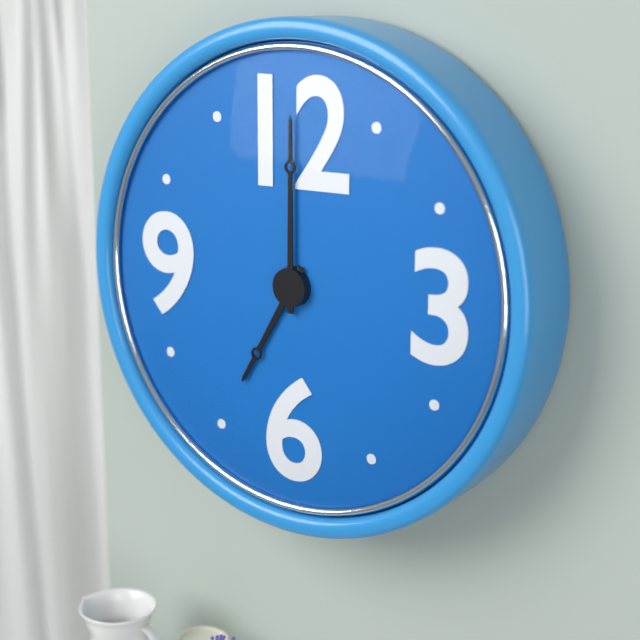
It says 7 h 00 min
